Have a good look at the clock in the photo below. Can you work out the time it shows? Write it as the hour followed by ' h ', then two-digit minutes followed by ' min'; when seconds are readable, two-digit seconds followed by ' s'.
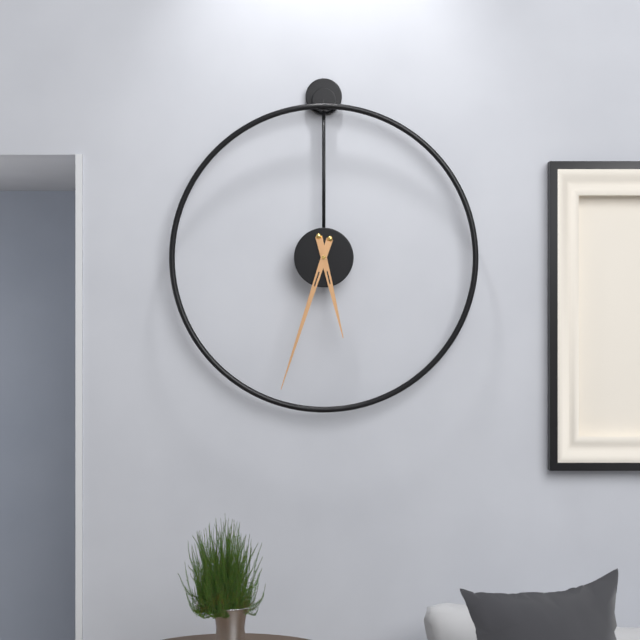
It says 5 h 33 min
